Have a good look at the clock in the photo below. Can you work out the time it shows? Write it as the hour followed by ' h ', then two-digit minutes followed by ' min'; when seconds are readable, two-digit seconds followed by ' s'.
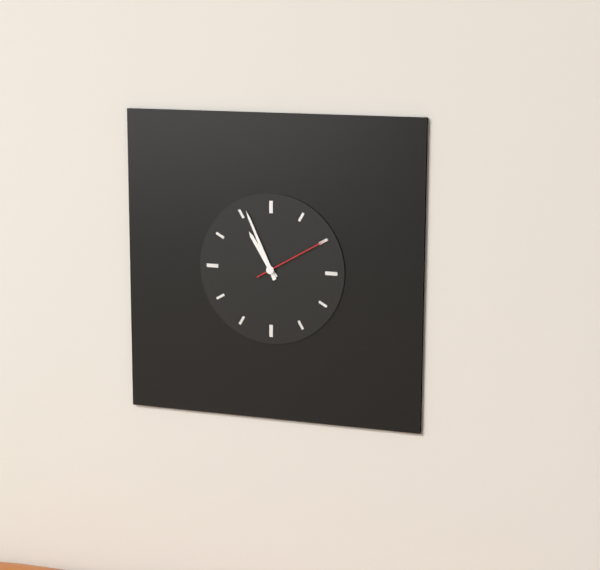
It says 10 h 56 min 10 s
